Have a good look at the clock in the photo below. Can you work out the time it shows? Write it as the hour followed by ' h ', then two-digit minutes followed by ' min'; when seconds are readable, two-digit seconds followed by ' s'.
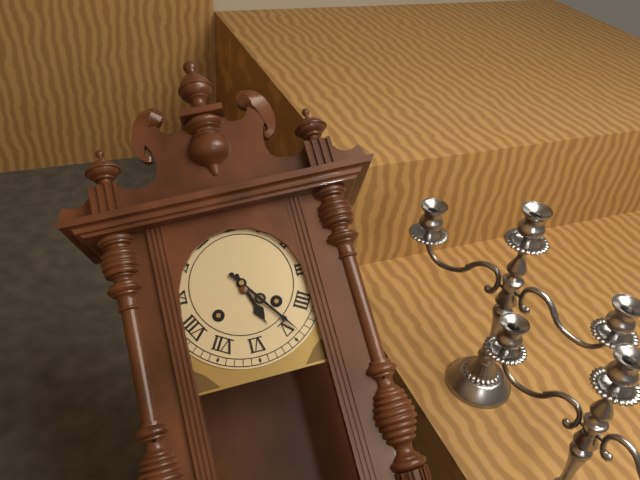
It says 5 h 24 min
